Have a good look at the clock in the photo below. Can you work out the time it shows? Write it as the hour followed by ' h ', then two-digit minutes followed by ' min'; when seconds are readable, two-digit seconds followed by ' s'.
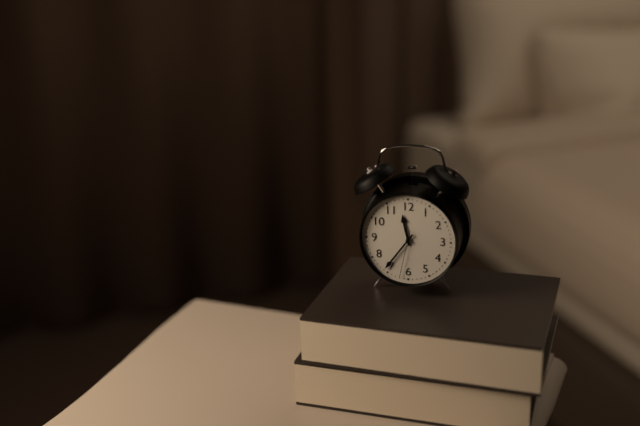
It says 11 h 36 min 32 s
